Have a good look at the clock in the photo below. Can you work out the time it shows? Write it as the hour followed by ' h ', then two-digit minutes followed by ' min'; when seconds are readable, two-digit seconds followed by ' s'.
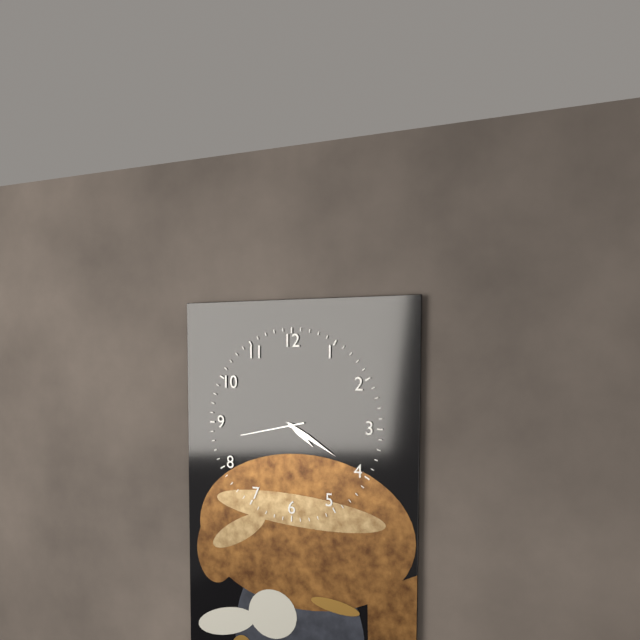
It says 4 h 20 min 43 s
